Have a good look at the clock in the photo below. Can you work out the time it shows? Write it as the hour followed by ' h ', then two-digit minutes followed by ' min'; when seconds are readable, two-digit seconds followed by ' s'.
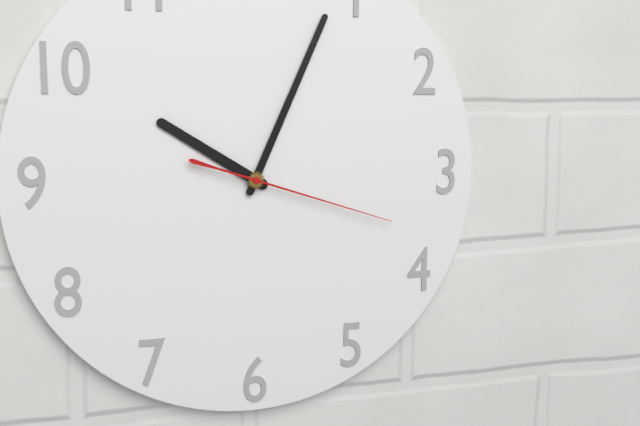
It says 10 h 04 min 18 s
